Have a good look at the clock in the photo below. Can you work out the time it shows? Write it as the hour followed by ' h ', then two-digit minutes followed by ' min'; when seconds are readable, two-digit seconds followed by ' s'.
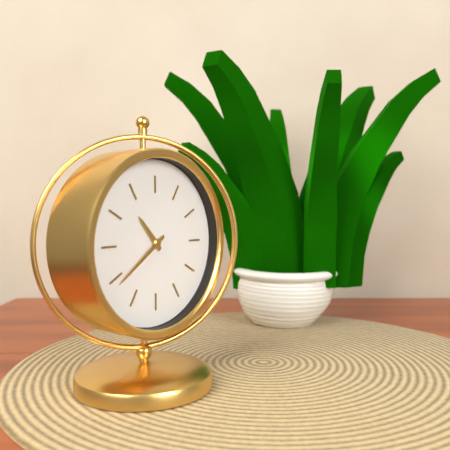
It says 10 h 39 min
